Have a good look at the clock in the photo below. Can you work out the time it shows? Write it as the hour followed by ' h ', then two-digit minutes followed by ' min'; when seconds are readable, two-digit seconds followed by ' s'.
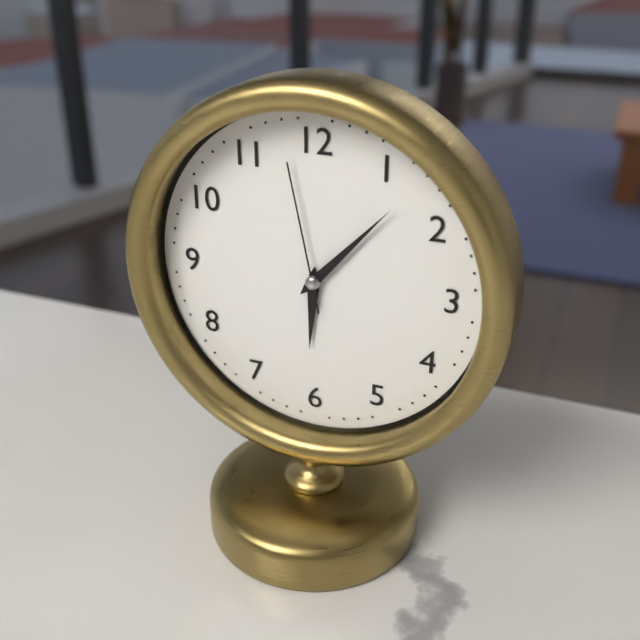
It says 6 h 07 min 58 s
